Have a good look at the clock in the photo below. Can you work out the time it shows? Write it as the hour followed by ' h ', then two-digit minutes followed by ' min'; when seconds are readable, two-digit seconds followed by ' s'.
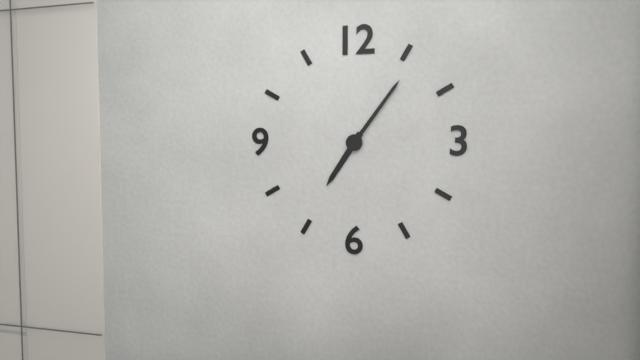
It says 7 h 06 min
